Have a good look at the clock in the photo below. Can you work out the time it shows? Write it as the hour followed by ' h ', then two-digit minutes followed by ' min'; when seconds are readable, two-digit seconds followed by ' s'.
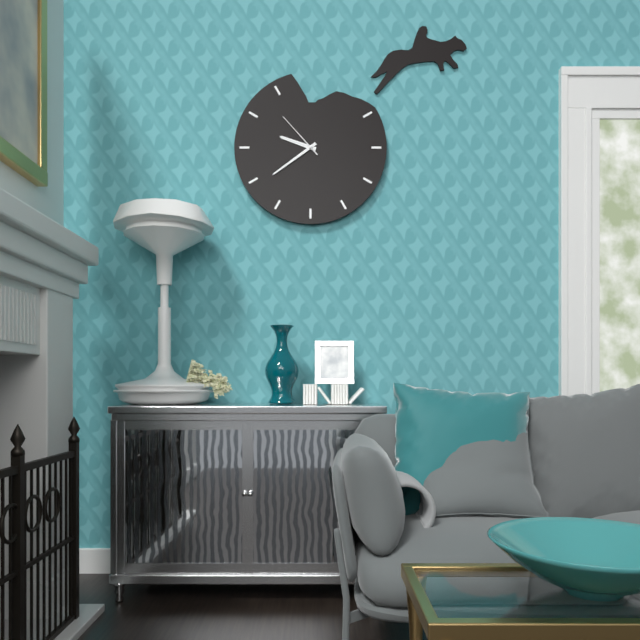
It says 9 h 39 min 53 s
